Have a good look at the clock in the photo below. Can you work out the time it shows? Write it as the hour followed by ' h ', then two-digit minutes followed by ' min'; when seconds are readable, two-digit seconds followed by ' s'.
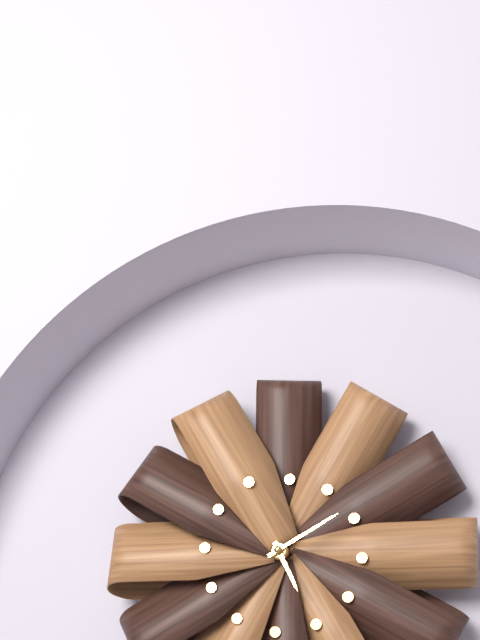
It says 5 h 10 min
